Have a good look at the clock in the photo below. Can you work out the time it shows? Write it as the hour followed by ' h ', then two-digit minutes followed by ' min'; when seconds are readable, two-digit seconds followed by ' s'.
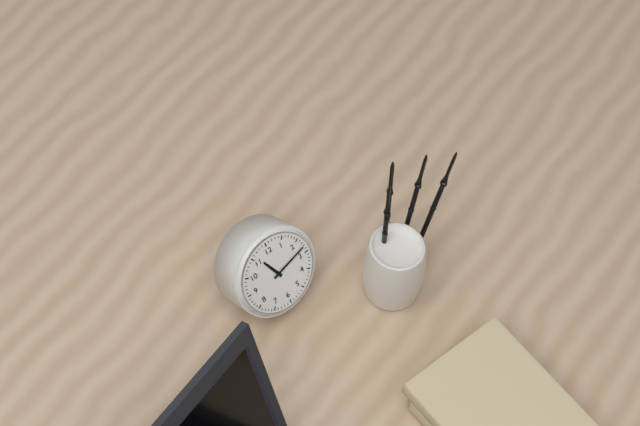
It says 11 h 13 min
